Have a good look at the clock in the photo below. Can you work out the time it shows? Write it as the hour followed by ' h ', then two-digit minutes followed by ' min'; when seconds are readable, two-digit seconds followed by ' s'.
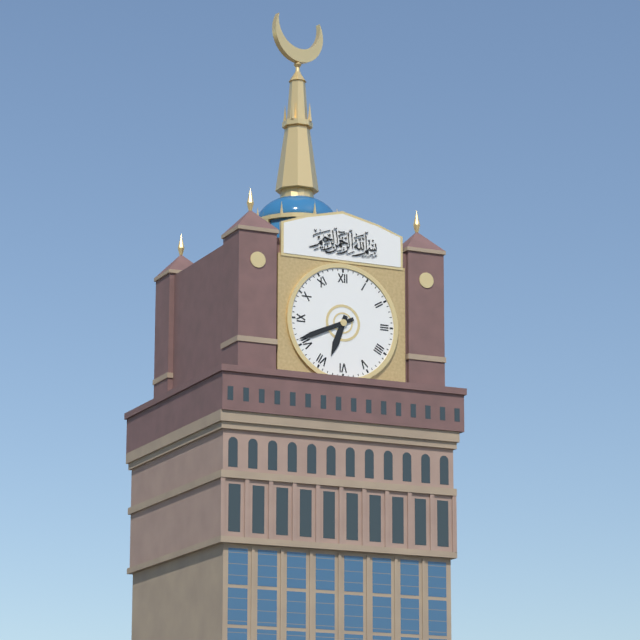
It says 6 h 41 min
